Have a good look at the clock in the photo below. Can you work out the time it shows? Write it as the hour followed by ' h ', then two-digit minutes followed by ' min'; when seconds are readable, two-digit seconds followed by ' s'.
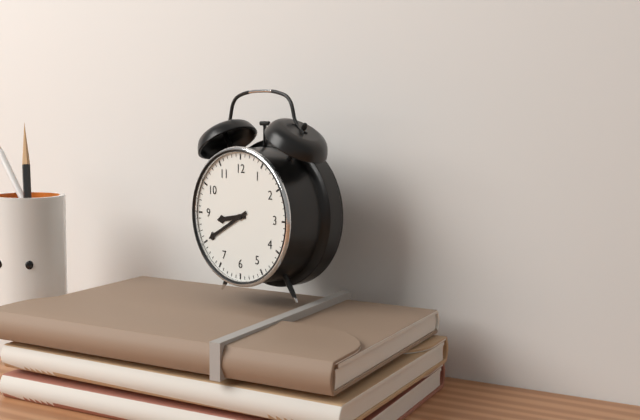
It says 8 h 40 min
